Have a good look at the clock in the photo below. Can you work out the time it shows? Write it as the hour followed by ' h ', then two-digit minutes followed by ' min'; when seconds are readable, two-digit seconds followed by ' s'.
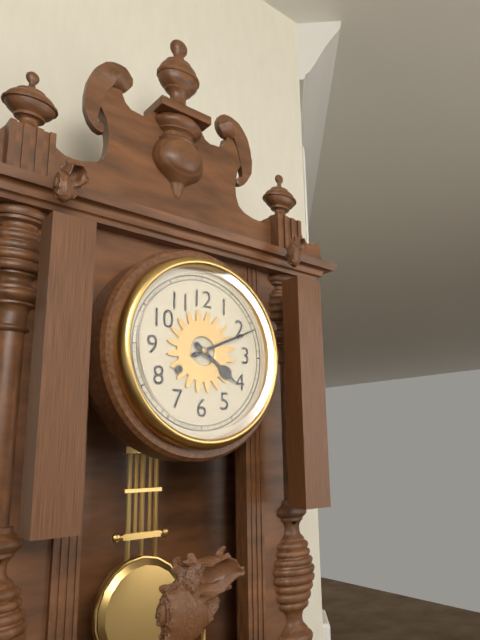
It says 4 h 11 min
